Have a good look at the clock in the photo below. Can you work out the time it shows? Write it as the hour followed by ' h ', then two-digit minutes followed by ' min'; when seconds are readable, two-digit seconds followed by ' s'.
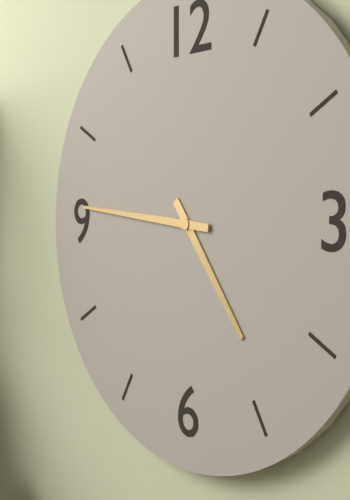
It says 4 h 46 min
